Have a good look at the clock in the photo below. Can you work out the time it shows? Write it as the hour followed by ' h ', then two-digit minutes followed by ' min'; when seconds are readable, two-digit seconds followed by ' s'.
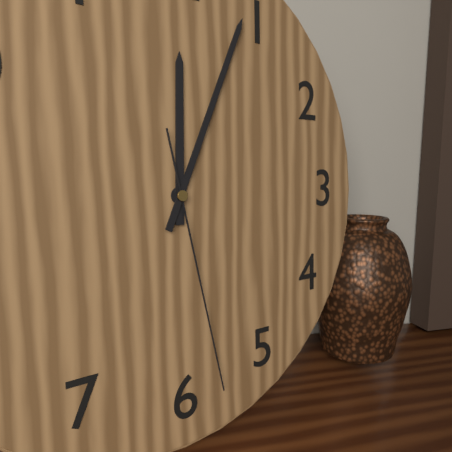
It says 12 h 04 min 28 s
